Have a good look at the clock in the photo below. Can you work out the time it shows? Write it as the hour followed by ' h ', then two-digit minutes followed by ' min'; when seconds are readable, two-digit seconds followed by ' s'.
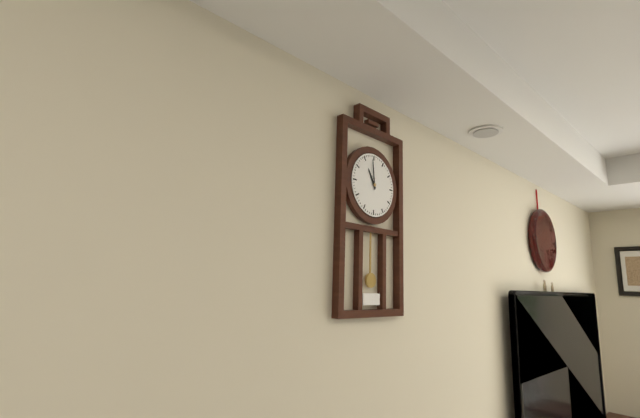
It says 10 h 59 min
